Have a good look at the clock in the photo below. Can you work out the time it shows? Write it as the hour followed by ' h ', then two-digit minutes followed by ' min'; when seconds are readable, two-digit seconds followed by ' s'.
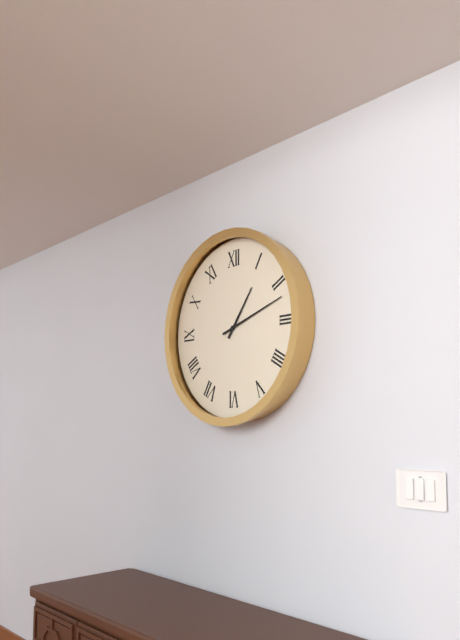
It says 1 h 12 min
